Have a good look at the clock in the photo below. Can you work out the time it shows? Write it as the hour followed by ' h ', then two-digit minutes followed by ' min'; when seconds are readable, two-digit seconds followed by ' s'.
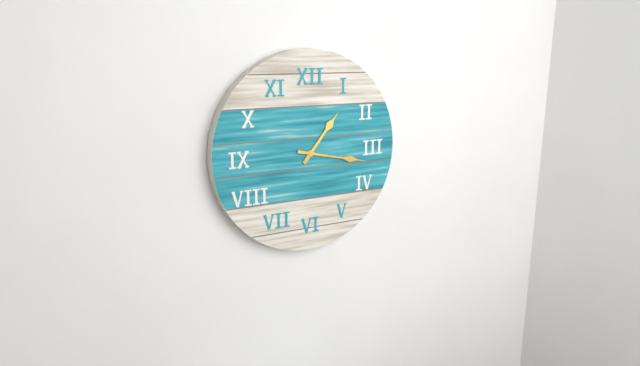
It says 1 h 17 min
